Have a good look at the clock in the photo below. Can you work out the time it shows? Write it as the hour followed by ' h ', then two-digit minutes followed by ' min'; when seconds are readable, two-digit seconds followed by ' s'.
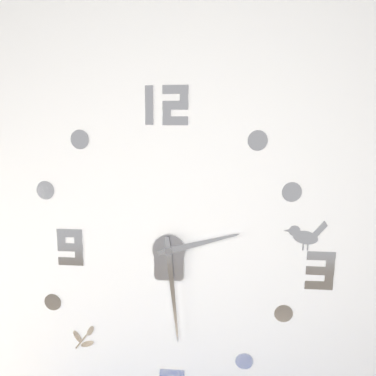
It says 2 h 29 min
